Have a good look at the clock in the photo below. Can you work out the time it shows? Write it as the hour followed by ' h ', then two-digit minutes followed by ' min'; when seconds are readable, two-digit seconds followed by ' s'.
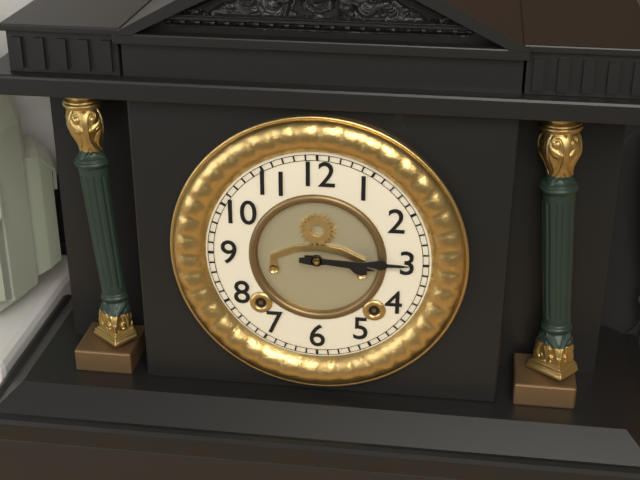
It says 3 h 15 min
